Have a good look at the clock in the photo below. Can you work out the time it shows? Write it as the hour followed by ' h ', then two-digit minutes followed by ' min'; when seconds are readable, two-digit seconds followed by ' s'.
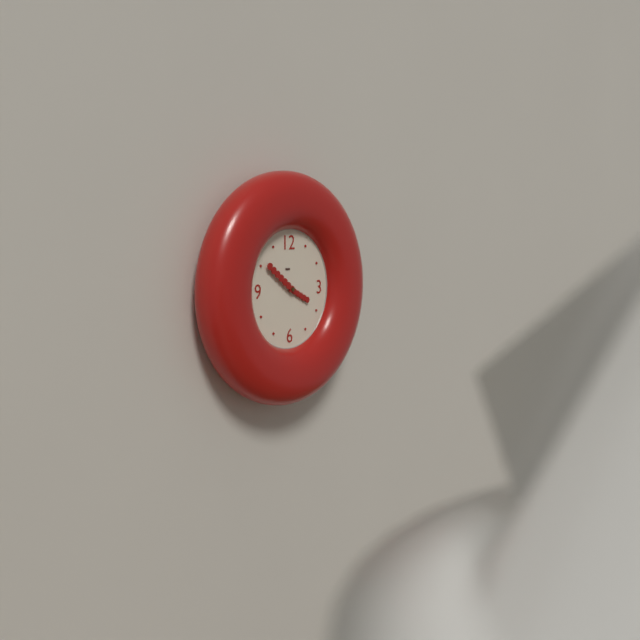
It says 3 h 51 min
